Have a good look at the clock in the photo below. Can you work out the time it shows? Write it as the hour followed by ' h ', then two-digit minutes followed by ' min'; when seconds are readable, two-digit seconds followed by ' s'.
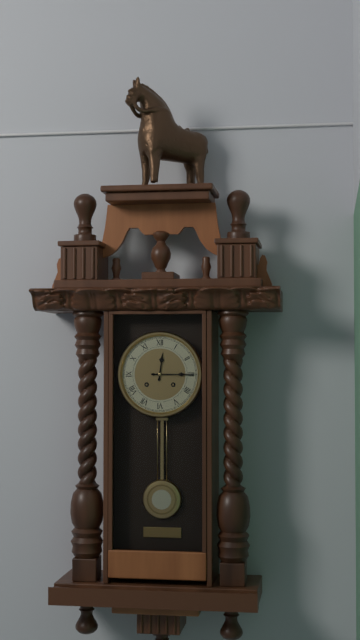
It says 12 h 15 min
